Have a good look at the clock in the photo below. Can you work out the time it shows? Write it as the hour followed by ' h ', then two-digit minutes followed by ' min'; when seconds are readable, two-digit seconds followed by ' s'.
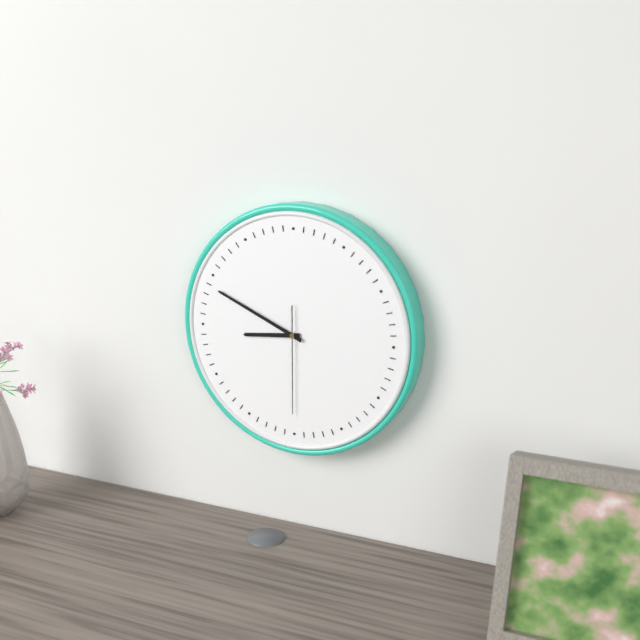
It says 8 h 49 min 30 s
